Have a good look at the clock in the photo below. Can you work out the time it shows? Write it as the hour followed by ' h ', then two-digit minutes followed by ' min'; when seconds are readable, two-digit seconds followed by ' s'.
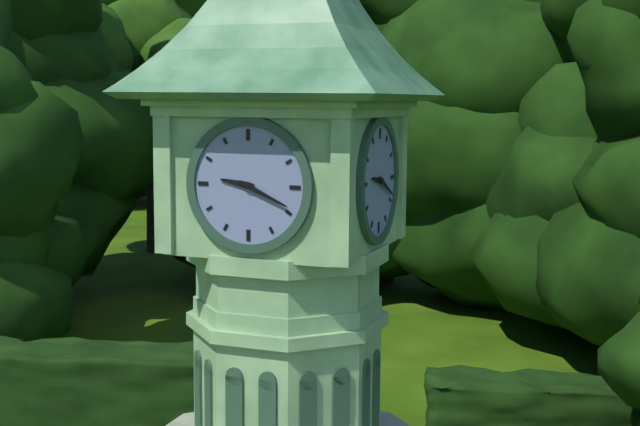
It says 9 h 19 min
